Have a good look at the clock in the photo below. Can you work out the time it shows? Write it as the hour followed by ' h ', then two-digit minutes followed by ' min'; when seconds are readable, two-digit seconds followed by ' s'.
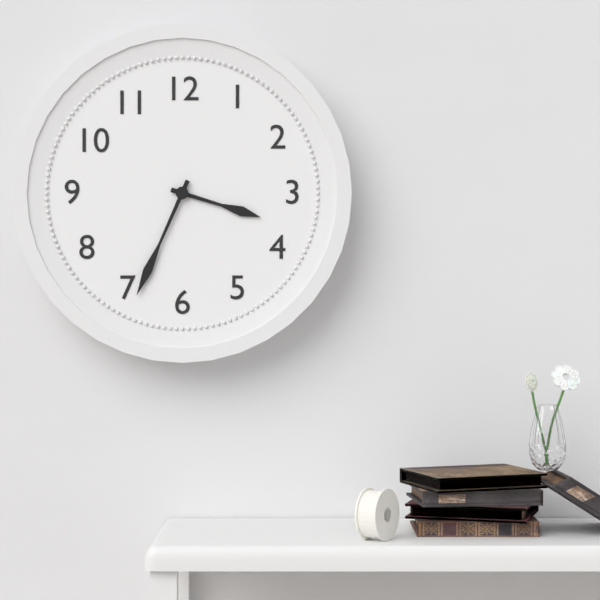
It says 3 h 34 min
